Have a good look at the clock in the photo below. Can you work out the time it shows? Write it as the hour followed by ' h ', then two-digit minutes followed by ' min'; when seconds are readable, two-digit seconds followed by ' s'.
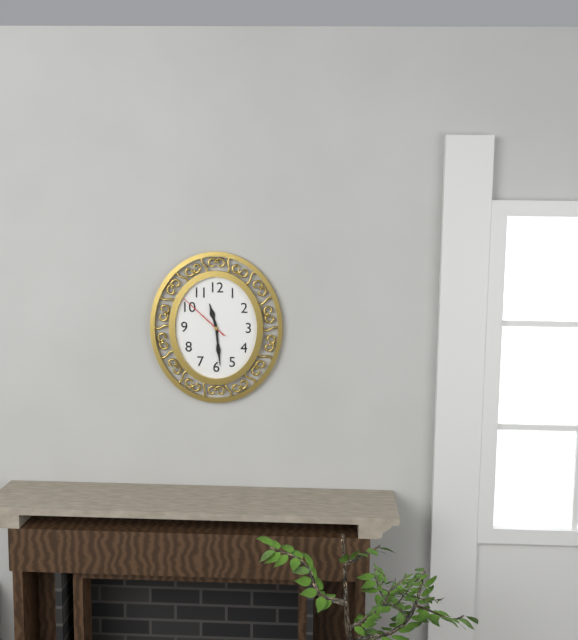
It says 11 h 29 min 52 s
